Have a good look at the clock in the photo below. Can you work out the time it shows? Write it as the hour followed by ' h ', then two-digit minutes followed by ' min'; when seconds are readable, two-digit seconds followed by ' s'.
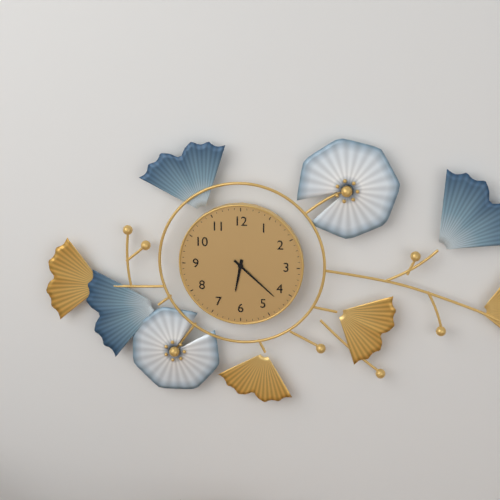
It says 6 h 22 min
